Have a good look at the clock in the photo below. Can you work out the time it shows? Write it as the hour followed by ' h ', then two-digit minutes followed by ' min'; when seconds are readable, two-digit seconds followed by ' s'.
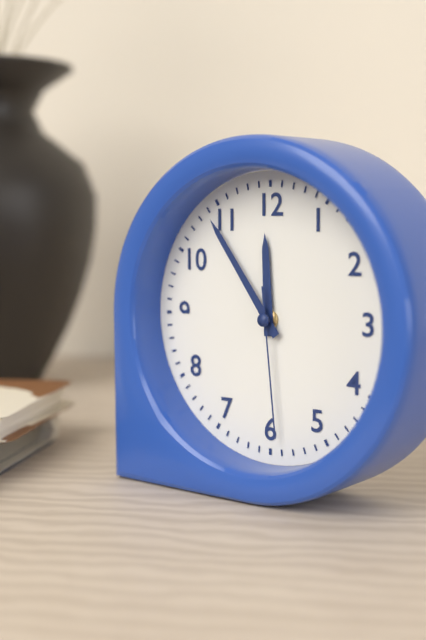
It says 11 h 54 min 29 s
